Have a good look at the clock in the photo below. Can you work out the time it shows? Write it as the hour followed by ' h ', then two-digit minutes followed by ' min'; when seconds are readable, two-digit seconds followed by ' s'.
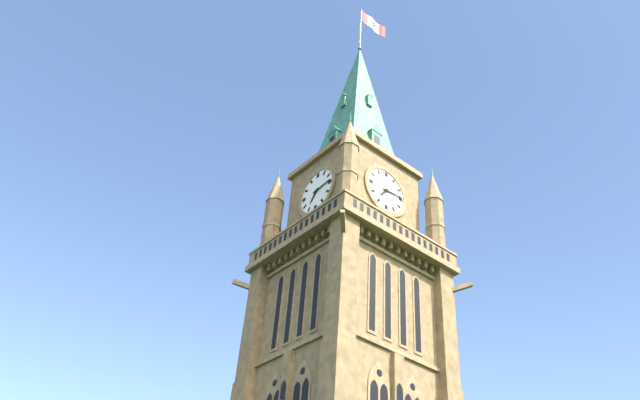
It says 7 h 14 min
